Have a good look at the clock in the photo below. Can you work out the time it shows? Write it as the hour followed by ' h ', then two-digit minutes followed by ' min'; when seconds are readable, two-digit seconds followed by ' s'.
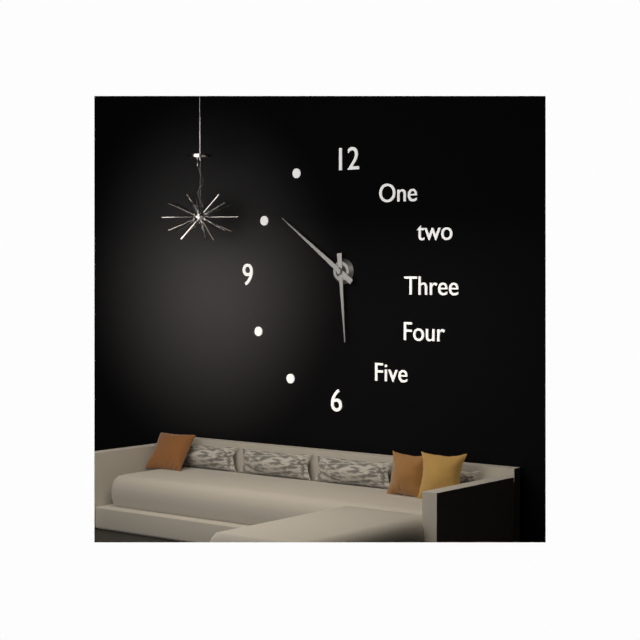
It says 5 h 51 min
